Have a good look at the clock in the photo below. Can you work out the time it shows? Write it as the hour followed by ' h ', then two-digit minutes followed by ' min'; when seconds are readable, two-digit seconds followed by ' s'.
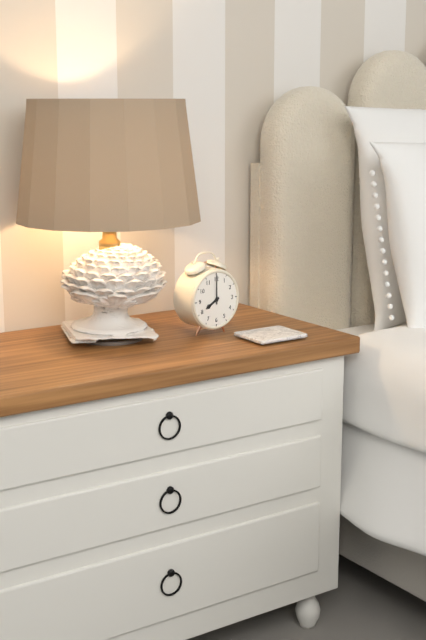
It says 8 h 00 min
